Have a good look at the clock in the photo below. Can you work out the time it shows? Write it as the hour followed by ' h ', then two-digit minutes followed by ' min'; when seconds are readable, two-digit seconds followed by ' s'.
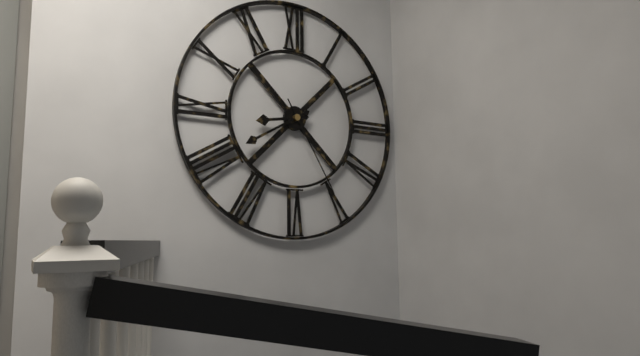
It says 8 h 40 min 25 s
